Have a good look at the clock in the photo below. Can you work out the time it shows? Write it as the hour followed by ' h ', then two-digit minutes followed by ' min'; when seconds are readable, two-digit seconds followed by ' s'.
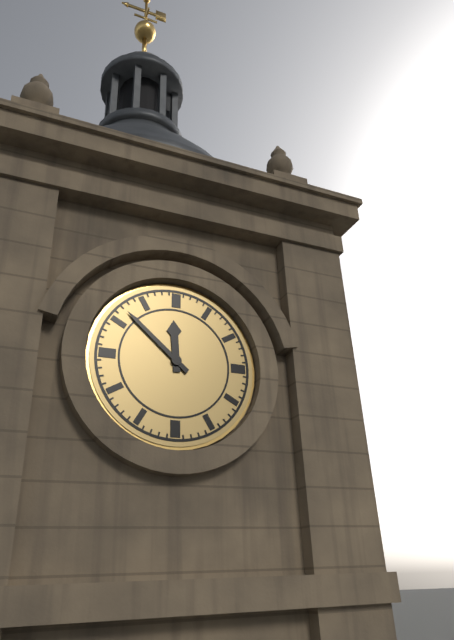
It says 11 h 52 min
